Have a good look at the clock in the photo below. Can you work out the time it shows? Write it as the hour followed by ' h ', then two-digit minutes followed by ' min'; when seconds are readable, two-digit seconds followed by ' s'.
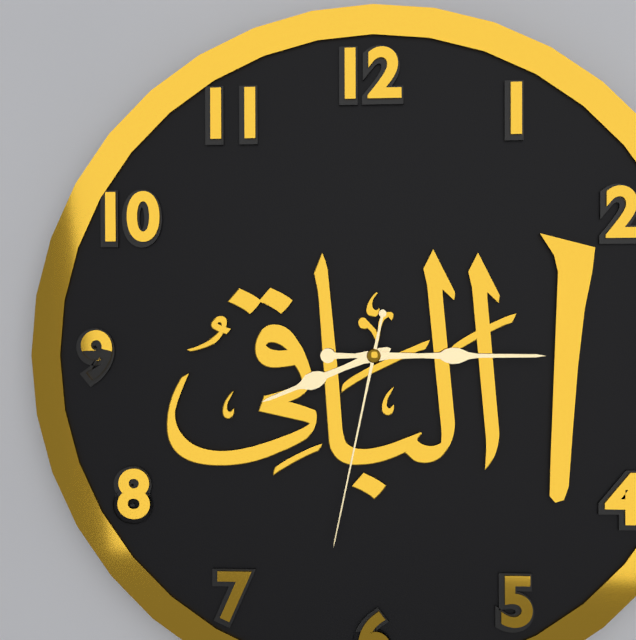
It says 8 h 15 min 32 s
